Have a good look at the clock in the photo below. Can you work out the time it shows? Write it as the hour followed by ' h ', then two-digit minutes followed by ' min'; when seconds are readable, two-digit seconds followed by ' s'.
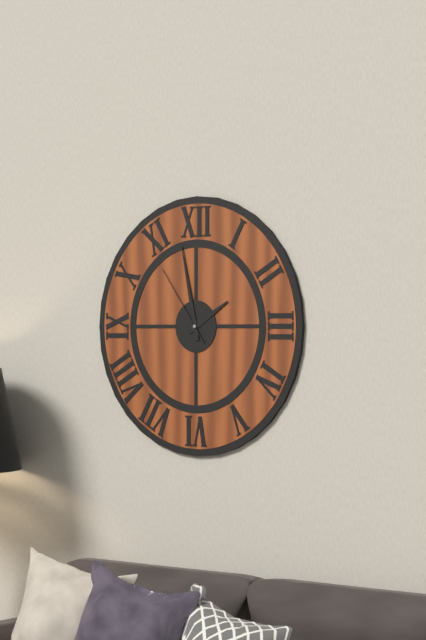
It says 1 h 58 min 54 s
